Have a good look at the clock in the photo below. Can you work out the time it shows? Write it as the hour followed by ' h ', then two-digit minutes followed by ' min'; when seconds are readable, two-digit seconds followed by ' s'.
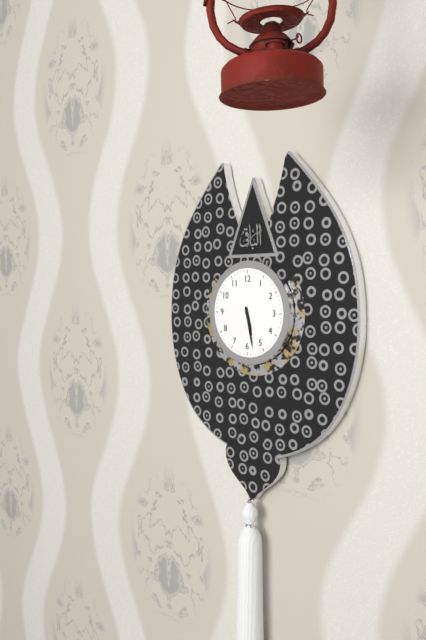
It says 5 h 28 min
